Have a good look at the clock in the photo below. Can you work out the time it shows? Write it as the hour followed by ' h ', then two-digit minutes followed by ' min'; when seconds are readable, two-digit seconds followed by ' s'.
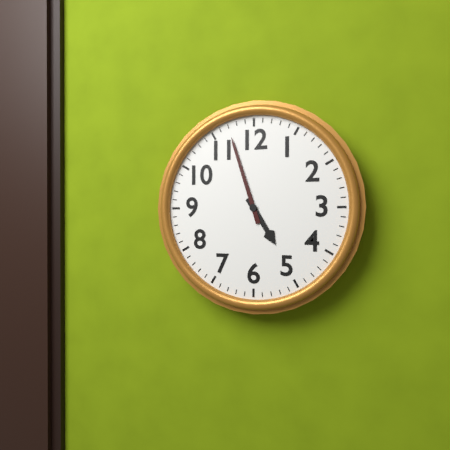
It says 4 h 57 min
